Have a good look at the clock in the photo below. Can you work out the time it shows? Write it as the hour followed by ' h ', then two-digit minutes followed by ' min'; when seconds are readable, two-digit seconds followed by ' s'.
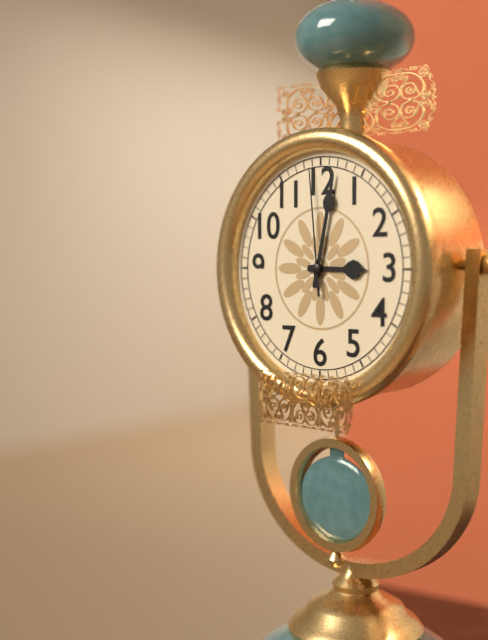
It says 3 h 02 min 59 s
